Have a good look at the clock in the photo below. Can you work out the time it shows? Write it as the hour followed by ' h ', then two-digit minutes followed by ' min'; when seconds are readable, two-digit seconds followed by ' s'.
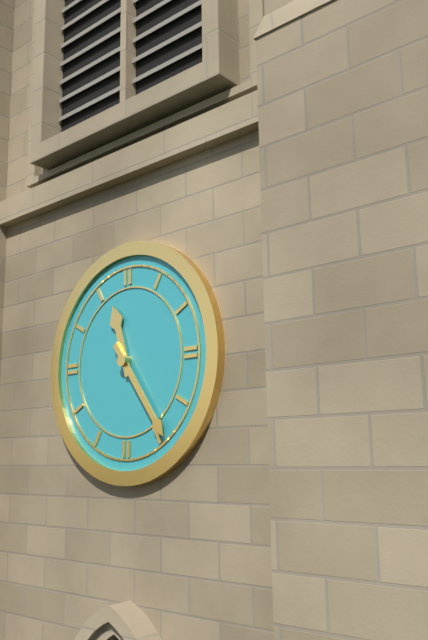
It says 11 h 24 min
